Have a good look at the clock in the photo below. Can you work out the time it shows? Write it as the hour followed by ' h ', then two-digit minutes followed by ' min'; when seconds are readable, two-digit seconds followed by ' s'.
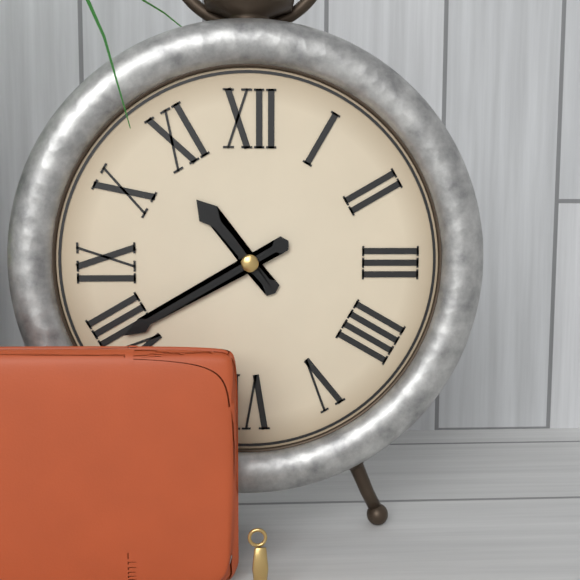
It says 10 h 40 min
